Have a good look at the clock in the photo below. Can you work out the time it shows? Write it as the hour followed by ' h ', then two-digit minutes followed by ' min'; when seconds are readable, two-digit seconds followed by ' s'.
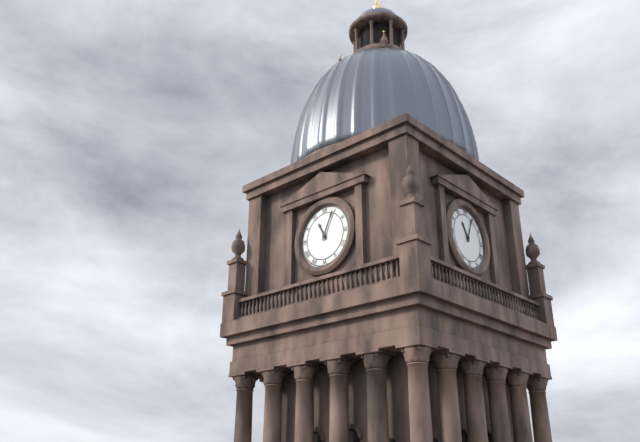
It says 11 h 04 min
